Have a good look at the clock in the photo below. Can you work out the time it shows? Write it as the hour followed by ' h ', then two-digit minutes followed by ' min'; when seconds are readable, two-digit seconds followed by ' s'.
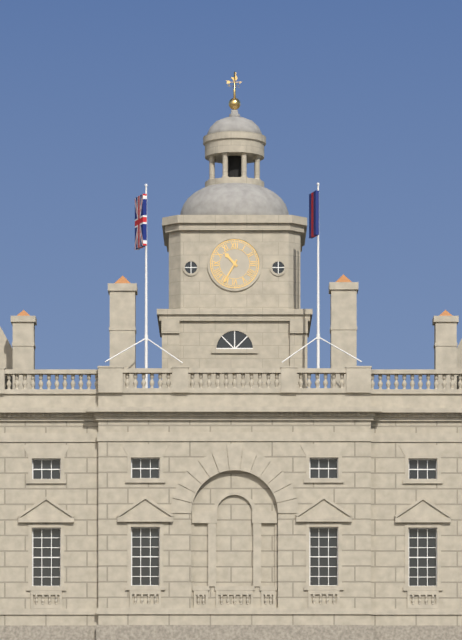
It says 10 h 35 min
